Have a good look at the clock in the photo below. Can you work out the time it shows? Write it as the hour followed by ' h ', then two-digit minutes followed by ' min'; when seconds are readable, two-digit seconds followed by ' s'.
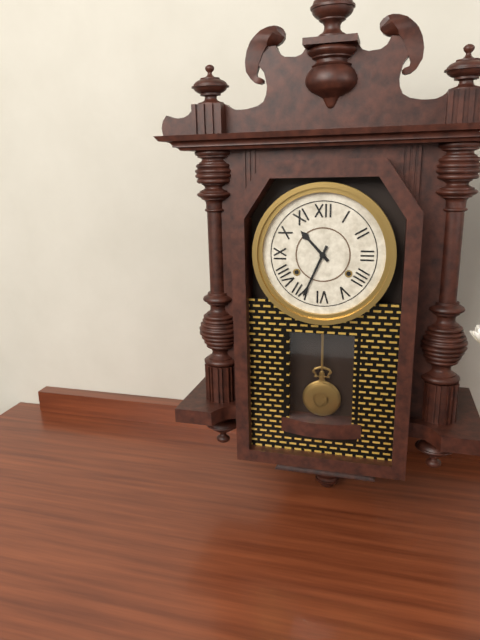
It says 10 h 34 min
